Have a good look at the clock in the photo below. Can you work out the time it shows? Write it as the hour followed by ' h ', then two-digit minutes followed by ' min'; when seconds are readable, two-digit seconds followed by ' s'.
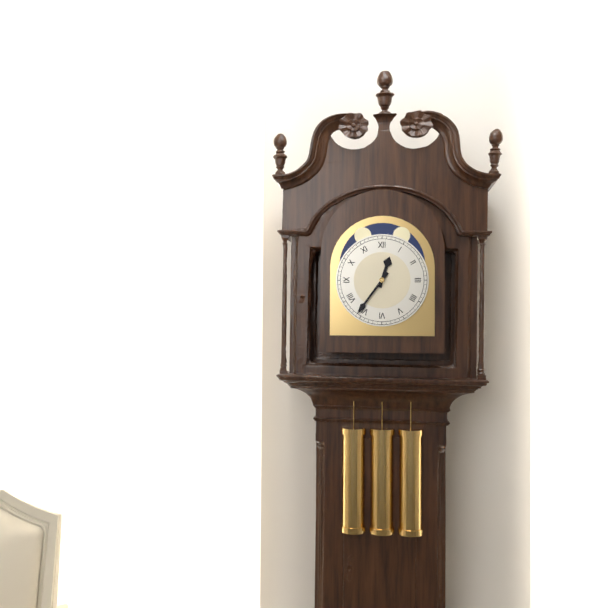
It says 12 h 36 min
